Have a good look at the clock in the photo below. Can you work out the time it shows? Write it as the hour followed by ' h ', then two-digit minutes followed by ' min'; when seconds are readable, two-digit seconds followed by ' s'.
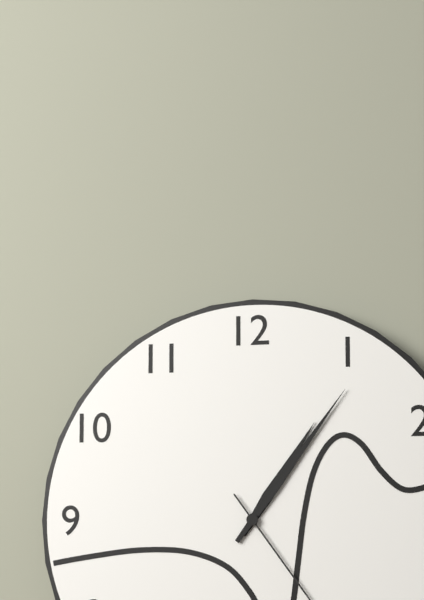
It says 1 h 06 min
